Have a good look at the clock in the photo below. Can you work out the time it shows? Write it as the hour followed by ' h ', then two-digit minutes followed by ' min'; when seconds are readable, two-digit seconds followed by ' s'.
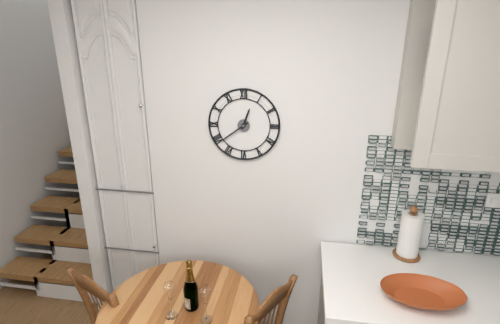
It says 12 h 39 min
